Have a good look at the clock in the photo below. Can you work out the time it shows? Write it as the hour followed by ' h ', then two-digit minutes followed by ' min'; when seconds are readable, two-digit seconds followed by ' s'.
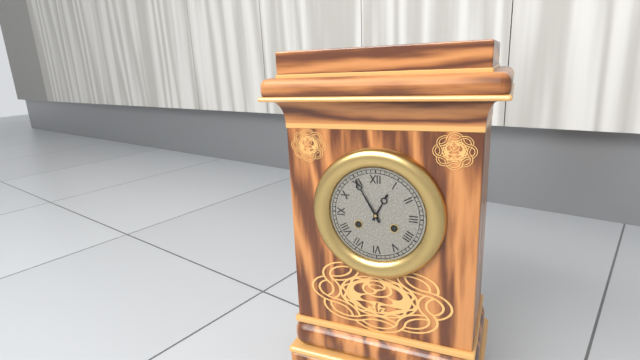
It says 12 h 55 min
